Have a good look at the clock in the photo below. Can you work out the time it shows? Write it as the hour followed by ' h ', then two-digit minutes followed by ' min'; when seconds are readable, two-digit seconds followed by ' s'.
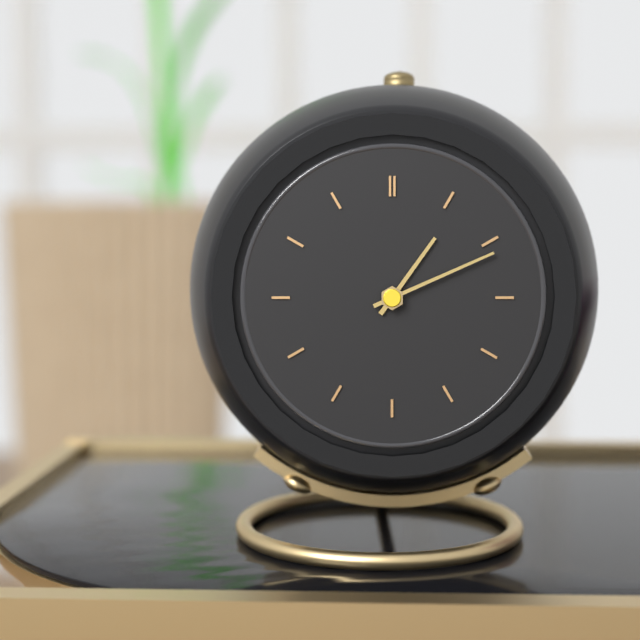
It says 1 h 11 min
